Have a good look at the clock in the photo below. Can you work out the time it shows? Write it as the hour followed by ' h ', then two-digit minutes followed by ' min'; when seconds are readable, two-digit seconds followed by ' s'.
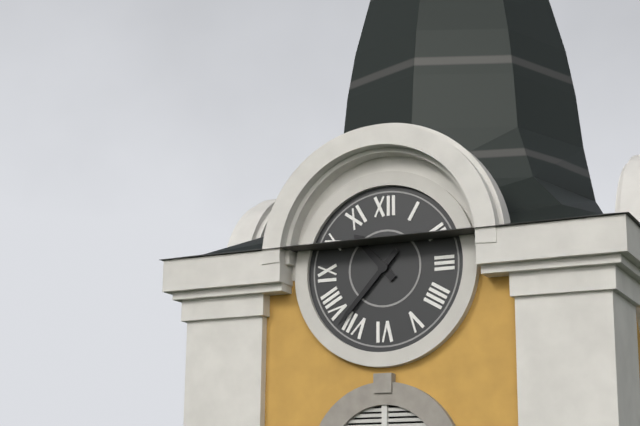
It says 10 h 37 min
